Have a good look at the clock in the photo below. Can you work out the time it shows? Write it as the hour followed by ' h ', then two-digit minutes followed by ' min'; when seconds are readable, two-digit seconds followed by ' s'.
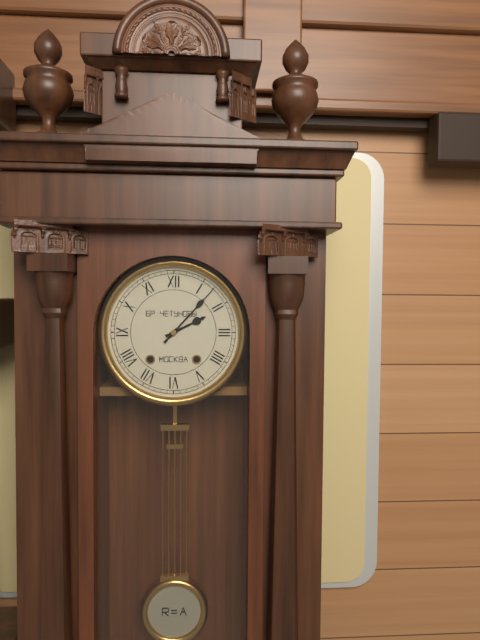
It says 2 h 07 min
